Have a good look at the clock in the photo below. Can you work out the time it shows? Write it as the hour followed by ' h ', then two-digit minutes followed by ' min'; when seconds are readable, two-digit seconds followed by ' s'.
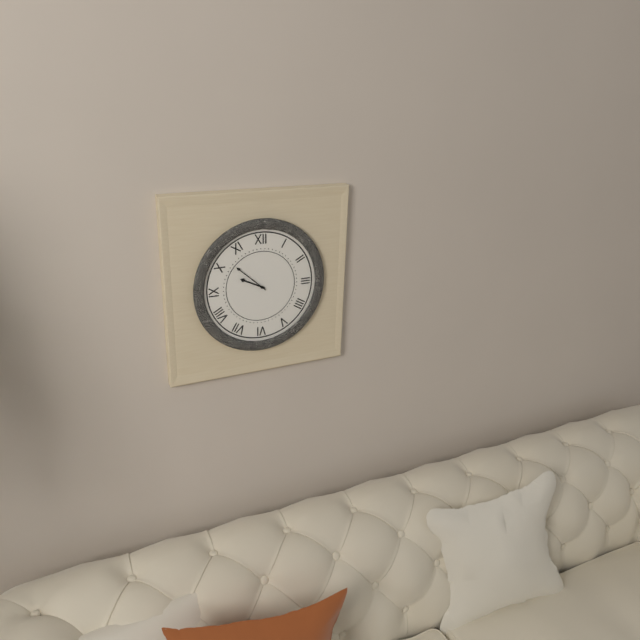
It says 9 h 52 min
